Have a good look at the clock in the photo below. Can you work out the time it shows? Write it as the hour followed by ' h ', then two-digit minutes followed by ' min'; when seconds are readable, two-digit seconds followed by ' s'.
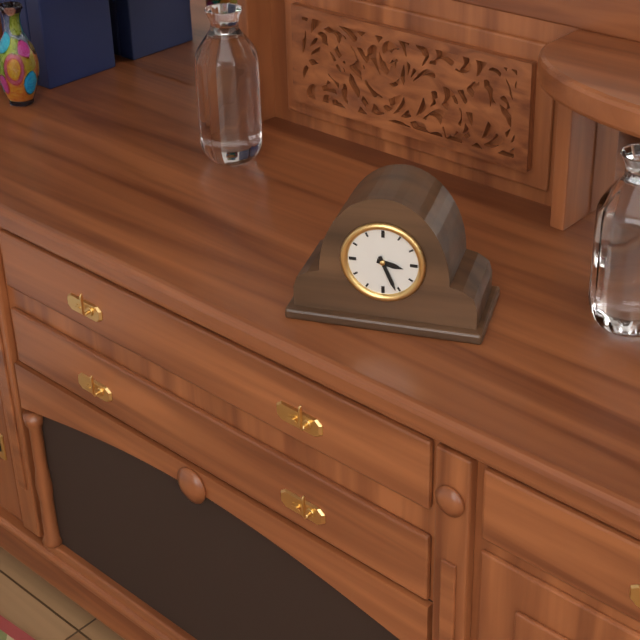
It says 3 h 26 min
